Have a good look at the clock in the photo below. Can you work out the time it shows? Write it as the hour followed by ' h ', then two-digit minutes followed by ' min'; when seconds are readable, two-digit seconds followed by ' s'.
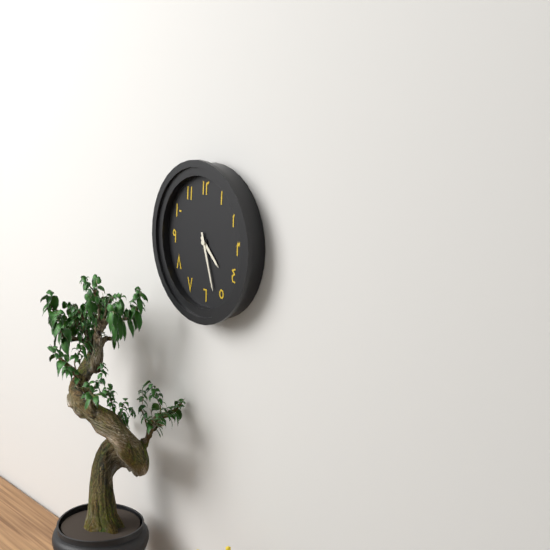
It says 4 h 27 min
